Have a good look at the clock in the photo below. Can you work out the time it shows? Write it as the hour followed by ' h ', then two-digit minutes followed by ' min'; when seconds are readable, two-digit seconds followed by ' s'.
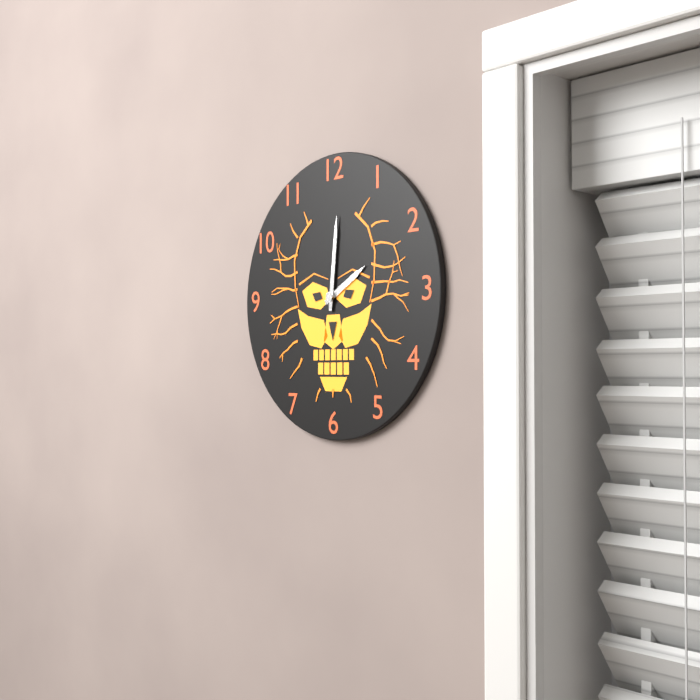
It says 2 h 01 min
